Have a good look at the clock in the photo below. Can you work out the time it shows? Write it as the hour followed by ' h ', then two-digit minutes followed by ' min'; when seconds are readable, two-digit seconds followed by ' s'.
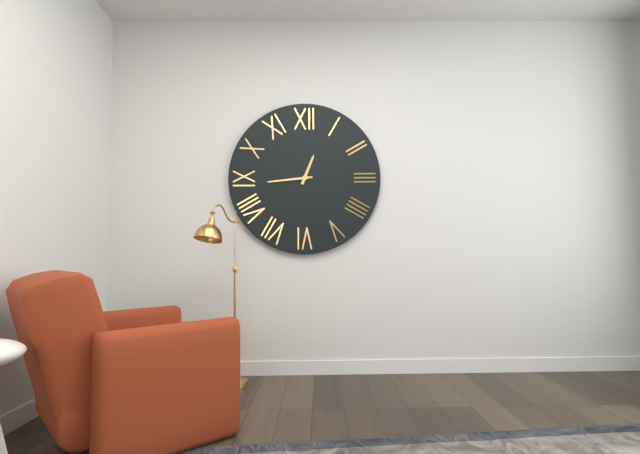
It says 12 h 44 min
